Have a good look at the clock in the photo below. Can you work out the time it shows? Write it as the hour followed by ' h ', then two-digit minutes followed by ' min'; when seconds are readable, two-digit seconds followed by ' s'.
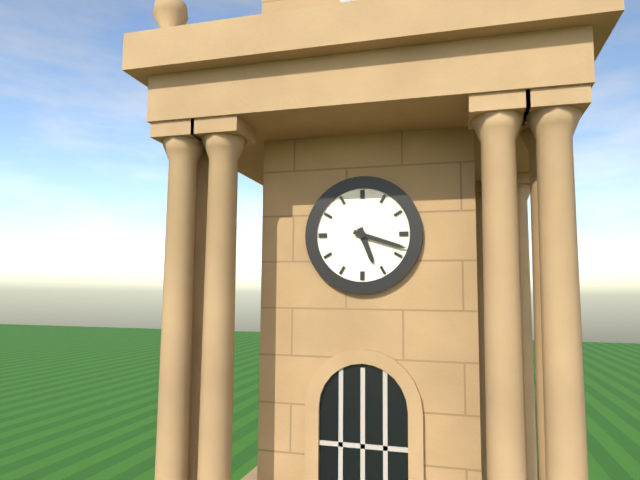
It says 5 h 18 min
